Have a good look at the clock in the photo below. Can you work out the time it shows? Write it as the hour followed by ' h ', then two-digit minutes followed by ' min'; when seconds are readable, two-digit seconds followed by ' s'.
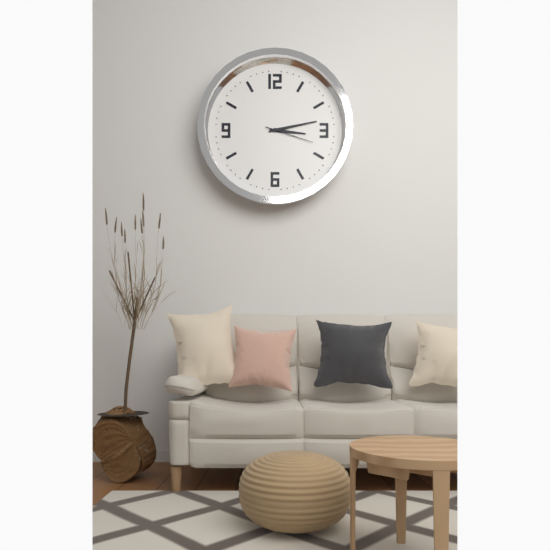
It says 3 h 13 min
